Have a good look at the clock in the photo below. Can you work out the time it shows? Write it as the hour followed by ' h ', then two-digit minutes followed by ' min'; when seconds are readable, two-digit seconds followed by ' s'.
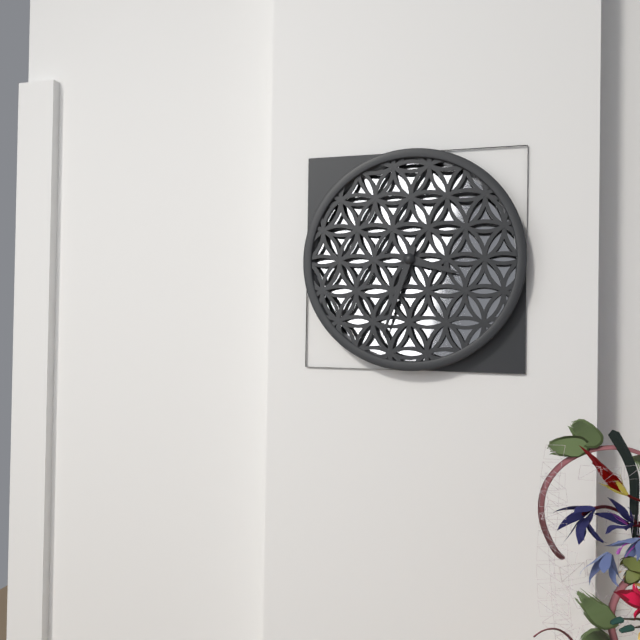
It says 3 h 33 min
